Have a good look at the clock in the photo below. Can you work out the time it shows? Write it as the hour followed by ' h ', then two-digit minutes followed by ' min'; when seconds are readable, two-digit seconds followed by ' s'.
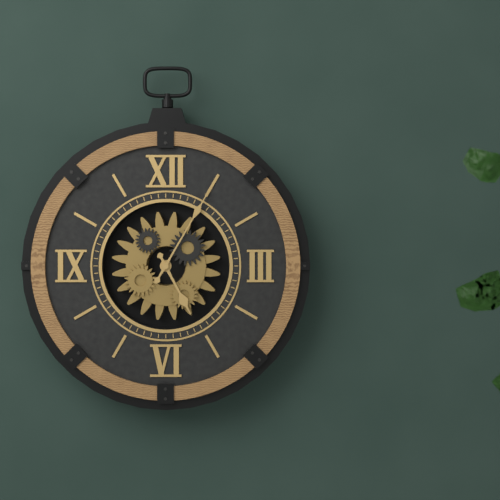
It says 5 h 05 min
